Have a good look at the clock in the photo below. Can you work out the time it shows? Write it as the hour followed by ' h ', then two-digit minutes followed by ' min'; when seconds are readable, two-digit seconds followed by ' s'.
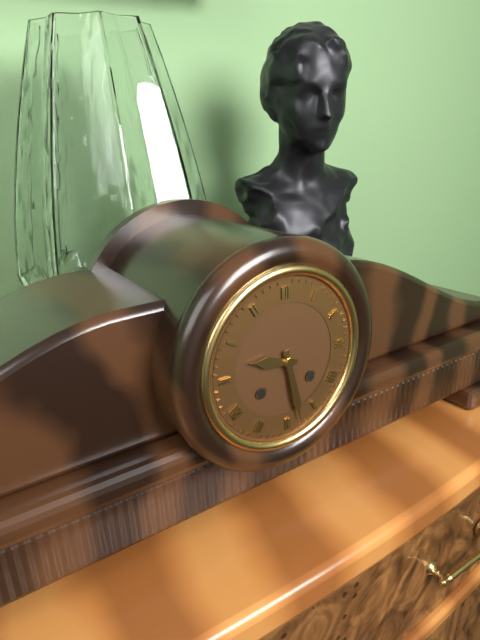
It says 9 h 28 min
